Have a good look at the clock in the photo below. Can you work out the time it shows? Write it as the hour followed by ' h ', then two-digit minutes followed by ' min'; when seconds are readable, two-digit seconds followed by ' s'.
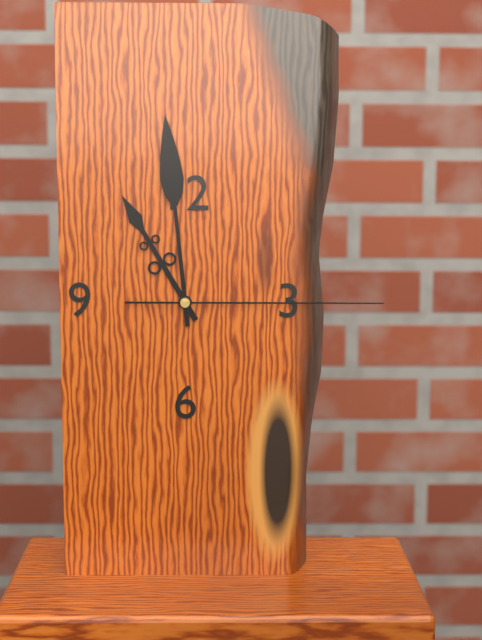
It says 10 h 59 min 15 s
